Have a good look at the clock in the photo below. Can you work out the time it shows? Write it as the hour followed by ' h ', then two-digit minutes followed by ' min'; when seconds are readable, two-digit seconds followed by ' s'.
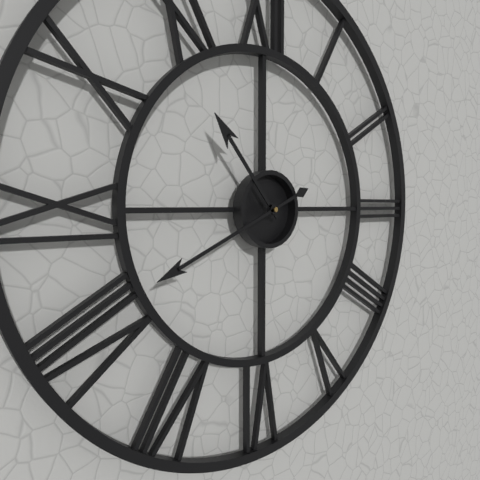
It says 10 h 41 min
